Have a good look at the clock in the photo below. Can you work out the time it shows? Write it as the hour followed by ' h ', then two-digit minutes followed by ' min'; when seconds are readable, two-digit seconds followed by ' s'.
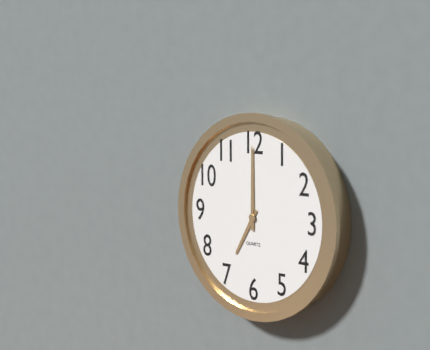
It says 7 h 00 min
